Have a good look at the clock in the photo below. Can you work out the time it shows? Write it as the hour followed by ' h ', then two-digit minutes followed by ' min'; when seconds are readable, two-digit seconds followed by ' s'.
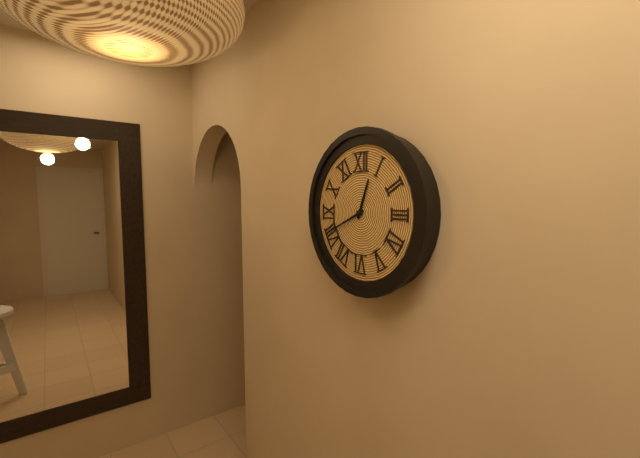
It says 12 h 41 min
